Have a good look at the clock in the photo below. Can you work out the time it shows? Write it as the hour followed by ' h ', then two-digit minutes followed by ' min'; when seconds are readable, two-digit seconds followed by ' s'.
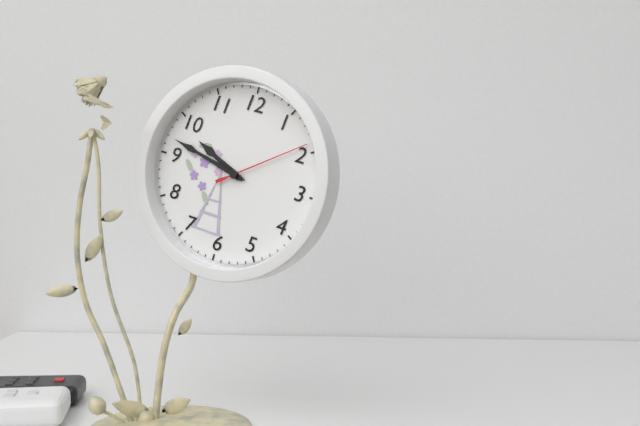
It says 9 h 47 min 09 s
